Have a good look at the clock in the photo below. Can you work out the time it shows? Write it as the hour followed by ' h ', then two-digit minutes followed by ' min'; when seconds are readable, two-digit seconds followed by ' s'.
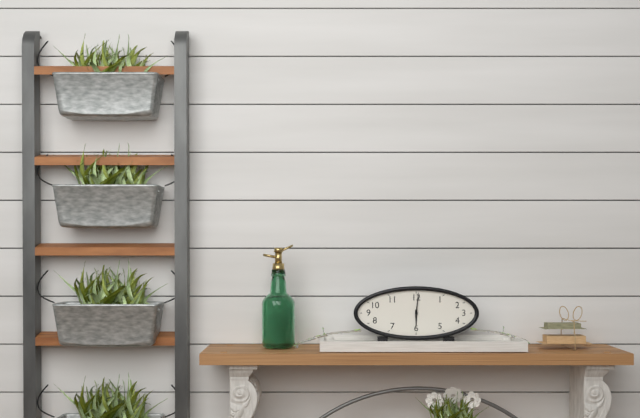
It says 6 h 01 min
